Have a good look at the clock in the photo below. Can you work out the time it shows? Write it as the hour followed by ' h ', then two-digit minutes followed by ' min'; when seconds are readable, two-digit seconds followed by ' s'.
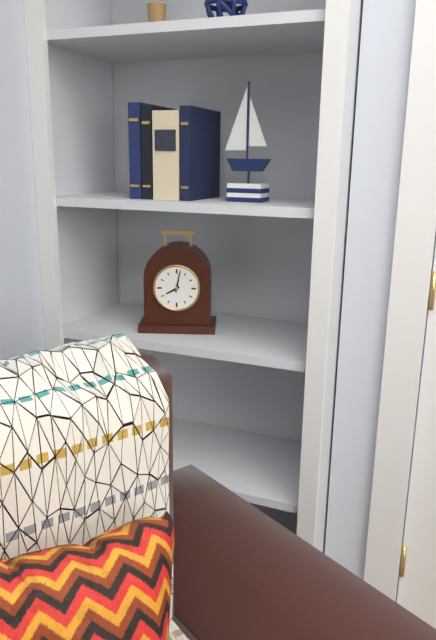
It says 8 h 02 min
